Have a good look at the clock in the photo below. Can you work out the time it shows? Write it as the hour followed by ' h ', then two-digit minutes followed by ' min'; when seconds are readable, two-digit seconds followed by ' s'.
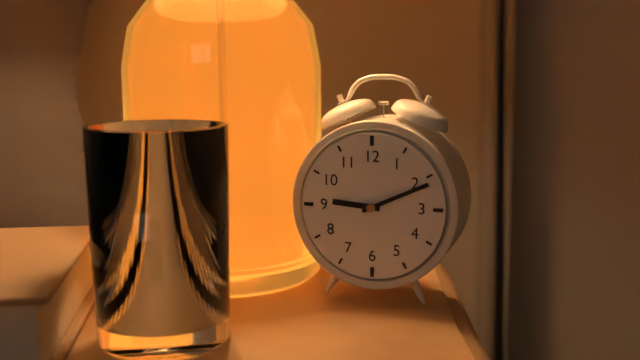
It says 9 h 11 min
